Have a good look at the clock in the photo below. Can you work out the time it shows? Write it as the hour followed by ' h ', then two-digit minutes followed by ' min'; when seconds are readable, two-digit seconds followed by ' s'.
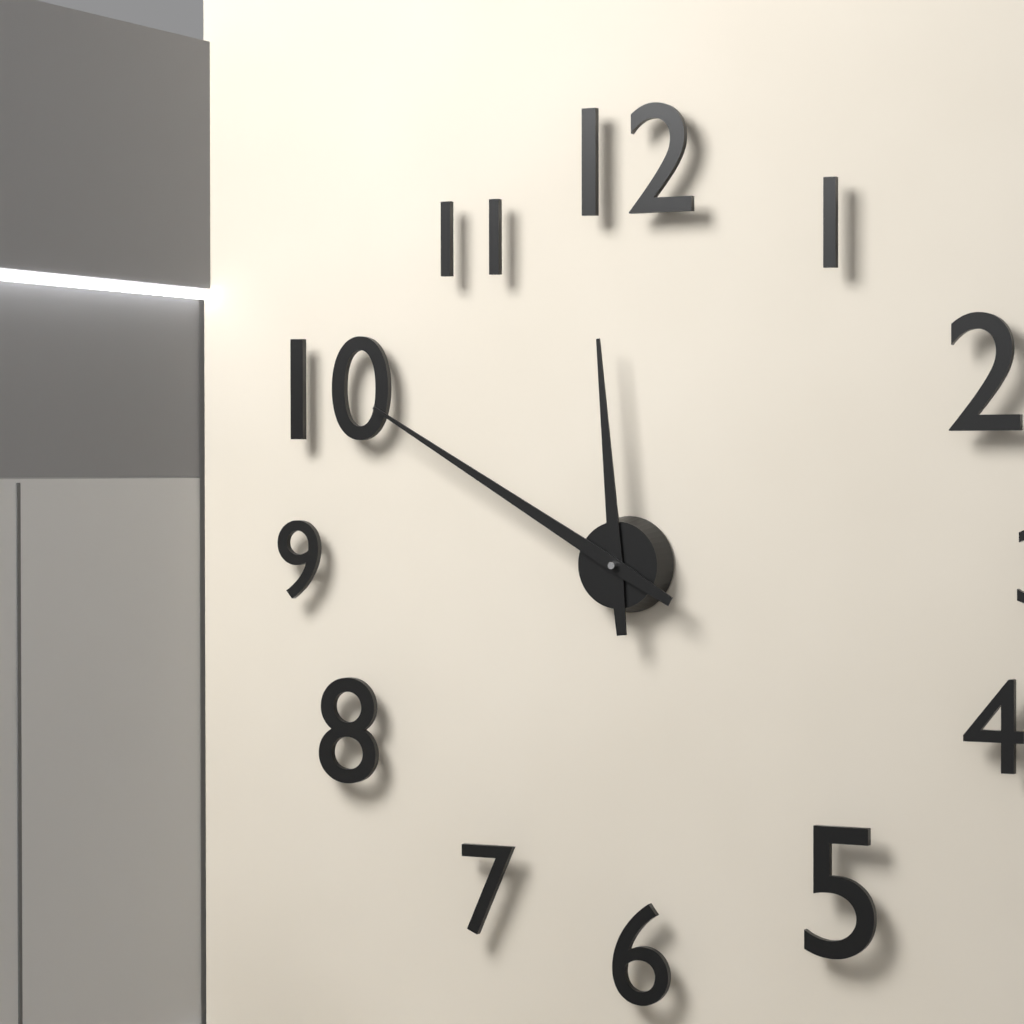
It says 11 h 50 min
